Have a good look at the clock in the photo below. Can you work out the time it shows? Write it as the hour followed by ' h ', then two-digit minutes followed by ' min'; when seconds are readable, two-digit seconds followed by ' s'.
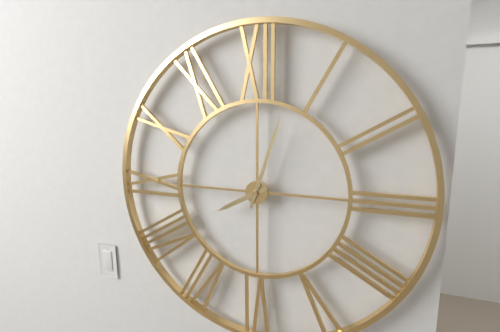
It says 8 h 03 min
